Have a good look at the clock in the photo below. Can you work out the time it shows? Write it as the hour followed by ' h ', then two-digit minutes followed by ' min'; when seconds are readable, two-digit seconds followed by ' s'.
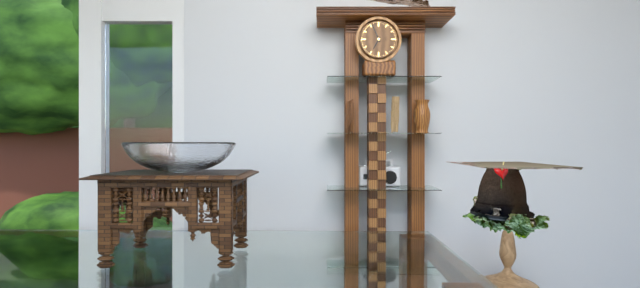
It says 6 h 56 min
